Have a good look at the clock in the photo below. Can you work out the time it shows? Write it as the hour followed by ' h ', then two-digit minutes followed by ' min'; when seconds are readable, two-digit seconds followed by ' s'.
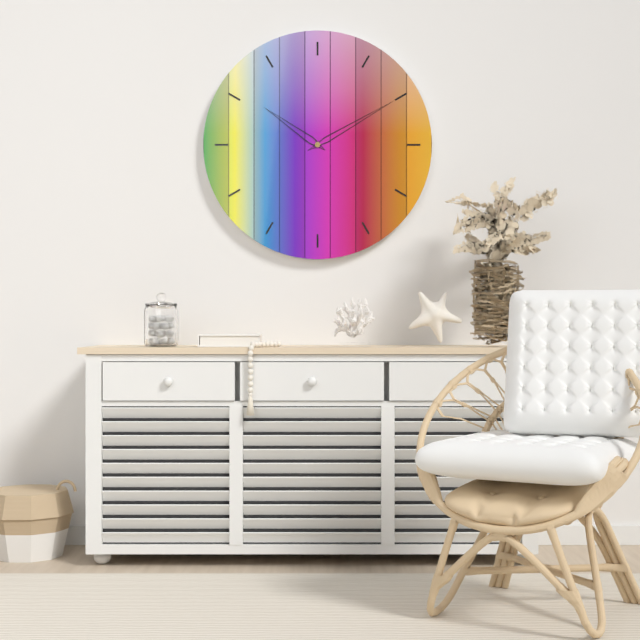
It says 10 h 10 min
